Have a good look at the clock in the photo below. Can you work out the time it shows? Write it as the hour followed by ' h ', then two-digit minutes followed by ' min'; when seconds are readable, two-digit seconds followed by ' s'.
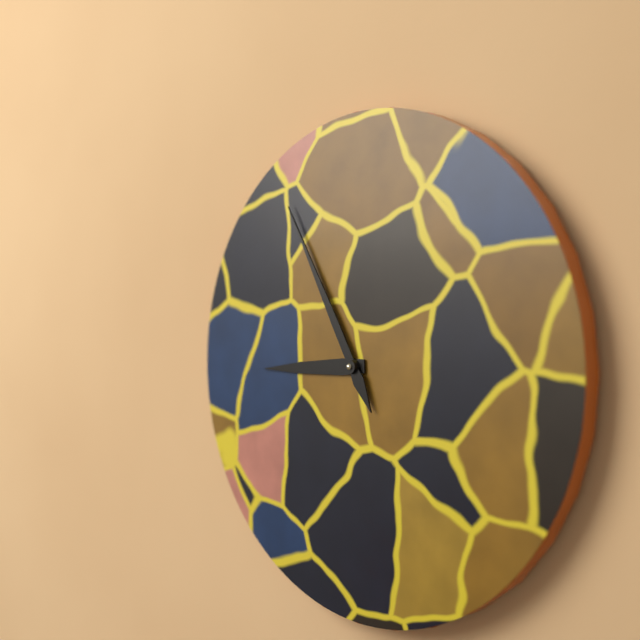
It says 8 h 55 min
